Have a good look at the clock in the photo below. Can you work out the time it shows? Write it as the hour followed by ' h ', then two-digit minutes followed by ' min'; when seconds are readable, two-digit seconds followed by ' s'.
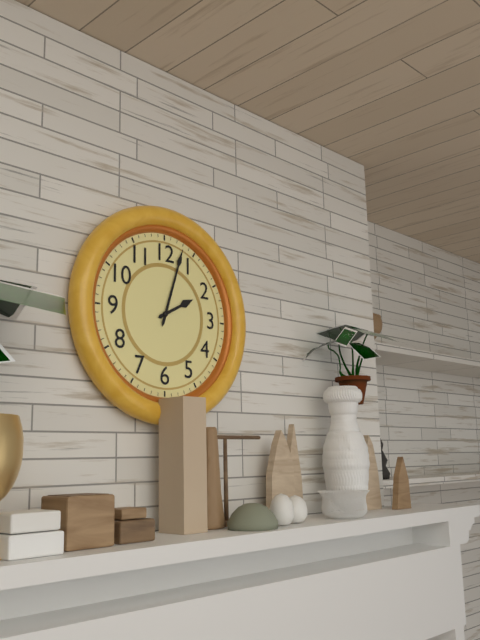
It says 2 h 03 min
